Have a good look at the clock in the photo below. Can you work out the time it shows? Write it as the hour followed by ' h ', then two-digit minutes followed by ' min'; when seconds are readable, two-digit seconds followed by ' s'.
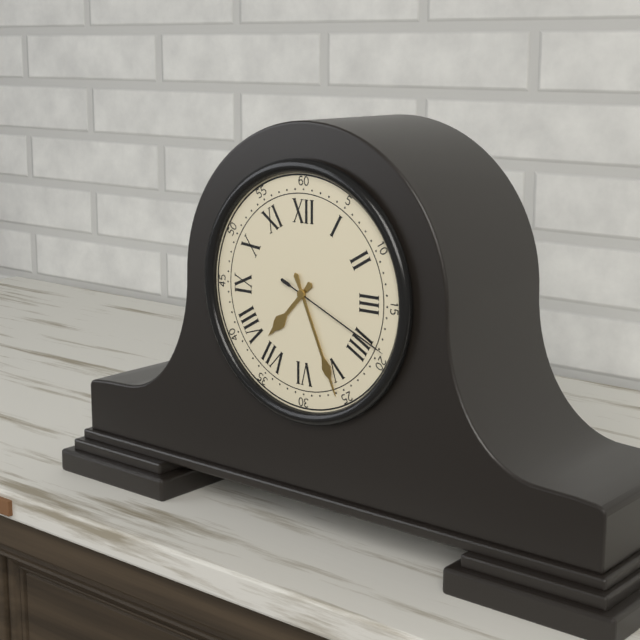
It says 7 h 26 min 19 s
